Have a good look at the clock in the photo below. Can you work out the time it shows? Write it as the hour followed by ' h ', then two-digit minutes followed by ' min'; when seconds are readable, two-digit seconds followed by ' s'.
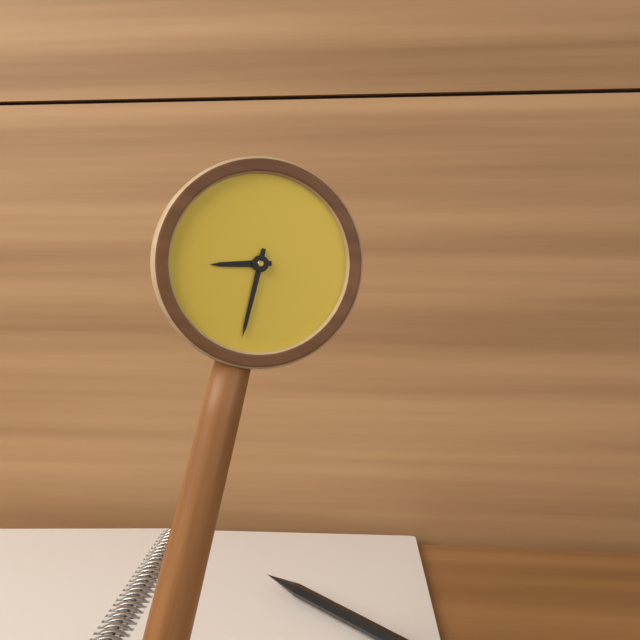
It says 8 h 30 min
